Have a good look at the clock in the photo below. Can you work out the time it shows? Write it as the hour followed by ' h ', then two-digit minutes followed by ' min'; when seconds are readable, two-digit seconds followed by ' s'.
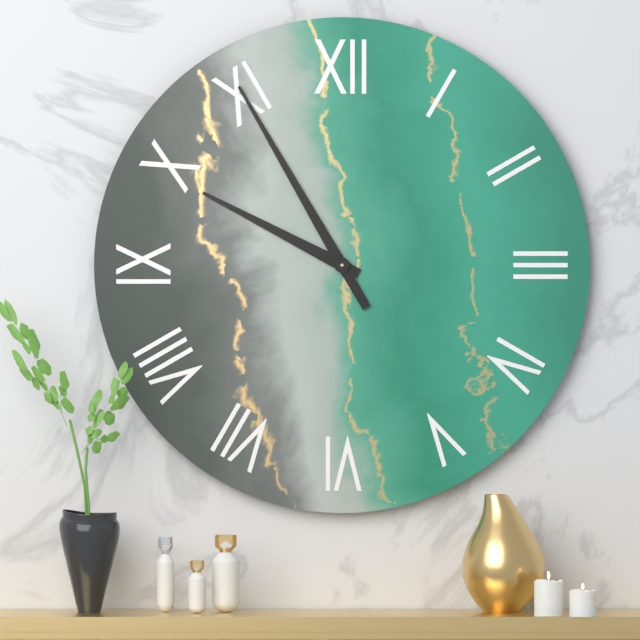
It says 9 h 55 min
